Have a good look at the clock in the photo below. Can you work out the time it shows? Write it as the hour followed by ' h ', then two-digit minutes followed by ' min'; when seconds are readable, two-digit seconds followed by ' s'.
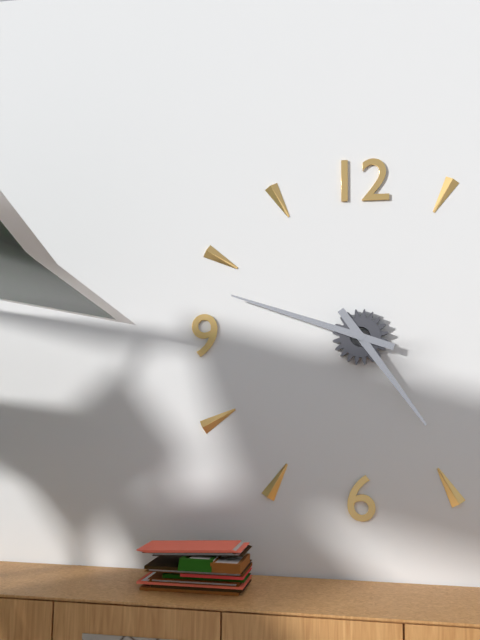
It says 4 h 48 min
